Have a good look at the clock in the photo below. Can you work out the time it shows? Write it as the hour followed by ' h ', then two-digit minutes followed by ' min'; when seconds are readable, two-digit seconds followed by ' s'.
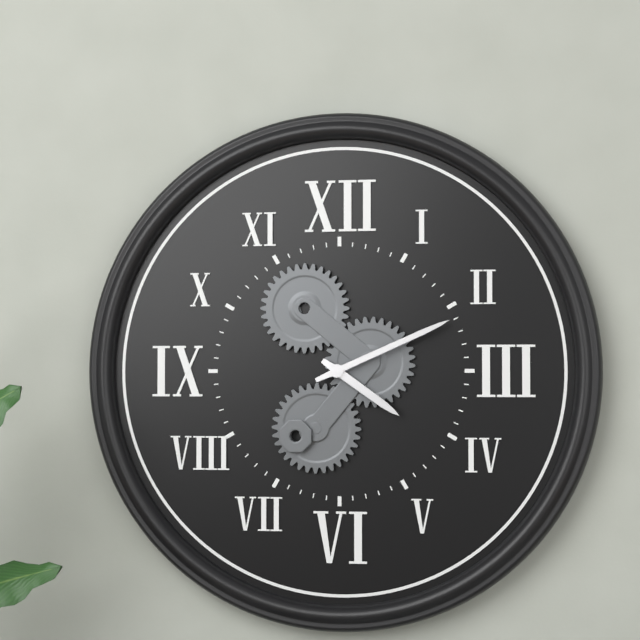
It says 4 h 11 min
